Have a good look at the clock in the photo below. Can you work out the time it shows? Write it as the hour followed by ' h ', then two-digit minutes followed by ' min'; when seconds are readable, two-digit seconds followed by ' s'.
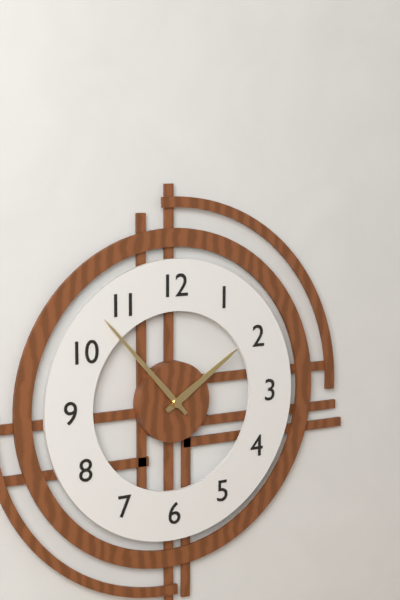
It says 1 h 53 min
